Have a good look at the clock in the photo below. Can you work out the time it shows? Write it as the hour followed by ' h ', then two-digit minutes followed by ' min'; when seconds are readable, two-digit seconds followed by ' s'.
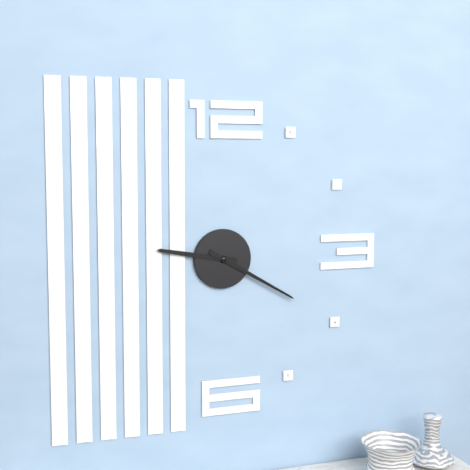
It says 9 h 20 min
